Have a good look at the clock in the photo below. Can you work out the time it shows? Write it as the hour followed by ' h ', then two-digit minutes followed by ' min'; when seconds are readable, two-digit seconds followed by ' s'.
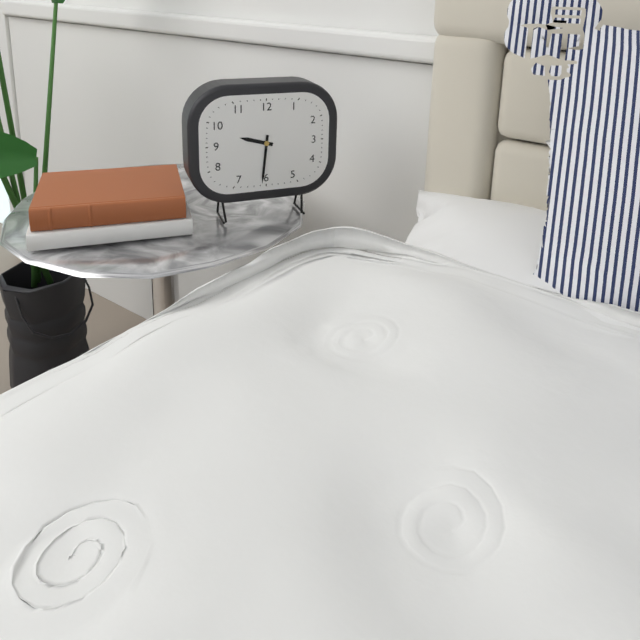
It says 9 h 31 min
